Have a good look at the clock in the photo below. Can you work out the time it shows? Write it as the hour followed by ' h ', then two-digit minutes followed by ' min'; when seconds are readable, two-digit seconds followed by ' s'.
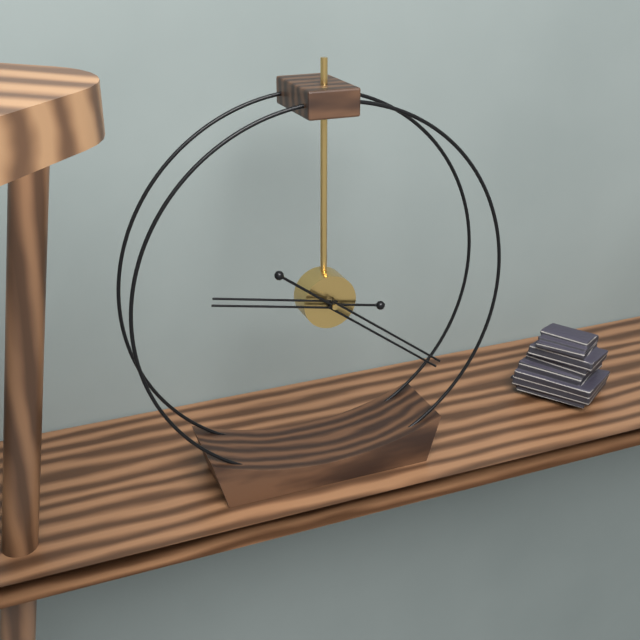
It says 9 h 21 min
